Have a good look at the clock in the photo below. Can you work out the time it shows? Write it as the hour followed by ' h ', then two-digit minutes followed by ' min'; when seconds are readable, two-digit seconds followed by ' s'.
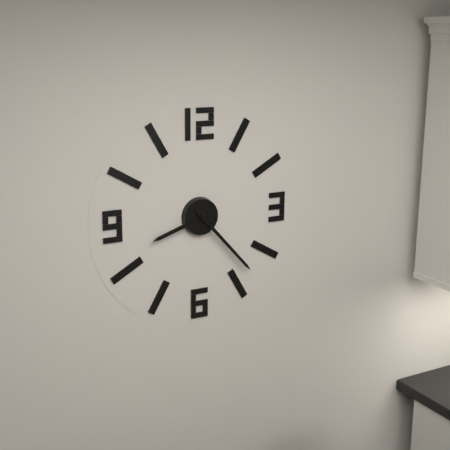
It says 8 h 23 min
